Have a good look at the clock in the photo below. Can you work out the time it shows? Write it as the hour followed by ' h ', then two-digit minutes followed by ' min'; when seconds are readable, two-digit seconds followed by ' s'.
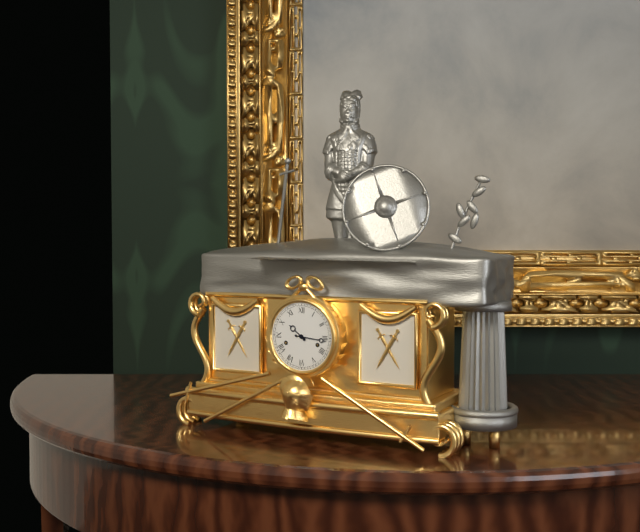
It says 10 h 16 min
